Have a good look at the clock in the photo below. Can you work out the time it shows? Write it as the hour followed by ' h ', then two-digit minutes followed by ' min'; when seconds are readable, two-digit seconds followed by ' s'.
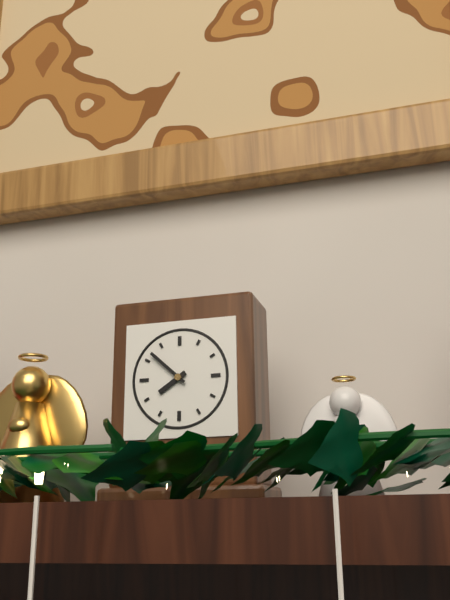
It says 7 h 52 min
